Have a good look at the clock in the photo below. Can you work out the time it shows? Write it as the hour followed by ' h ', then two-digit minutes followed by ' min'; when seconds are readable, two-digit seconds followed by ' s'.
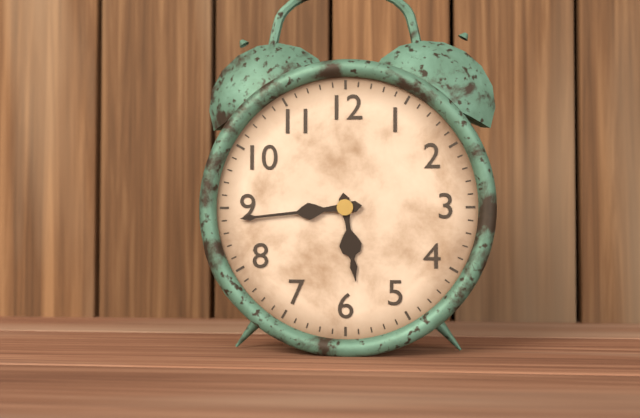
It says 5 h 44 min
